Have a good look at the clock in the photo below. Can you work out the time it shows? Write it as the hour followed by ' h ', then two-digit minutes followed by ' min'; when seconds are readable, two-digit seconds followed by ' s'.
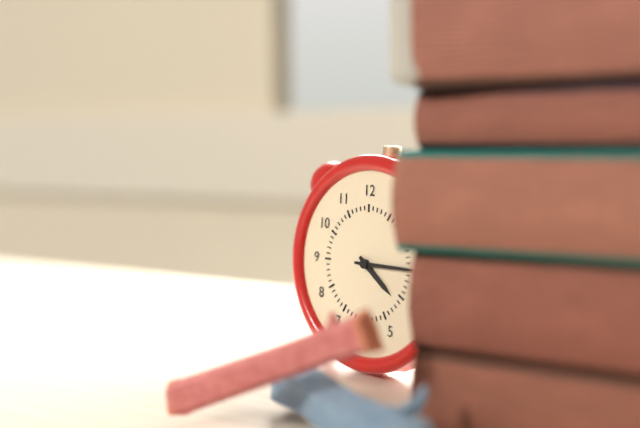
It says 4 h 15 min
